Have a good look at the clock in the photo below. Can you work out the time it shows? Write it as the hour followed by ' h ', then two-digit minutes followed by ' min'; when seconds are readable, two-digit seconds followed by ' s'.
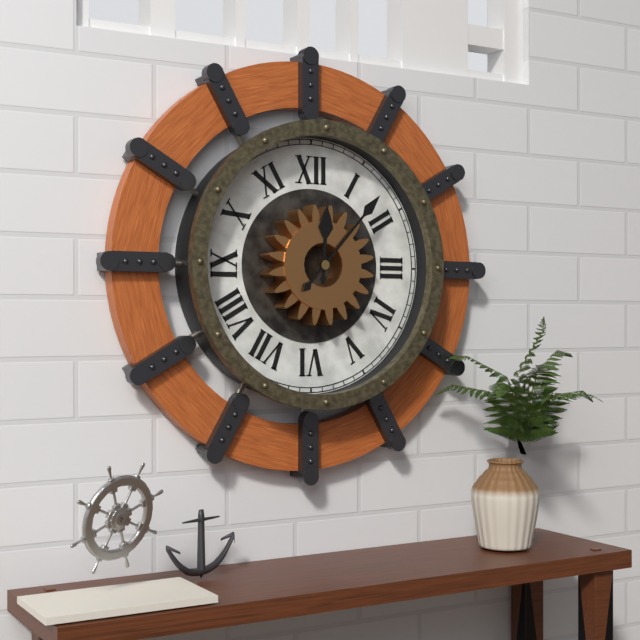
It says 12 h 07 min
